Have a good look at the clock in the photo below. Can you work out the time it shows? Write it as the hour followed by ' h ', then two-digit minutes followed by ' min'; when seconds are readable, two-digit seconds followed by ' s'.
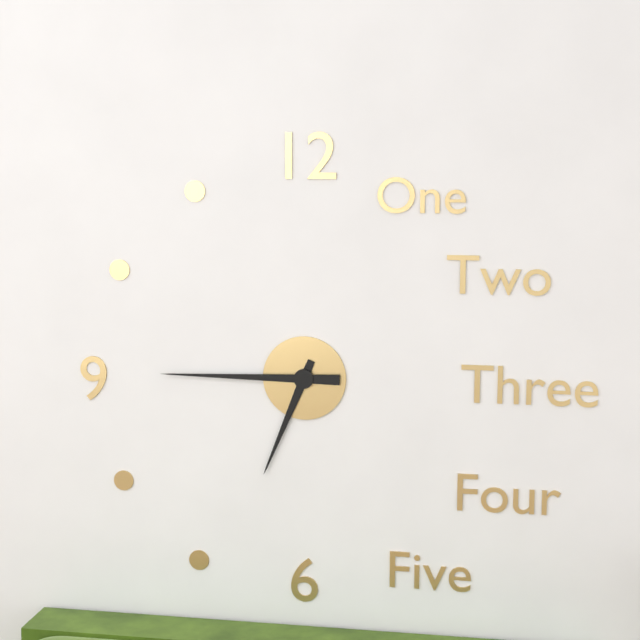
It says 6 h 45 min
